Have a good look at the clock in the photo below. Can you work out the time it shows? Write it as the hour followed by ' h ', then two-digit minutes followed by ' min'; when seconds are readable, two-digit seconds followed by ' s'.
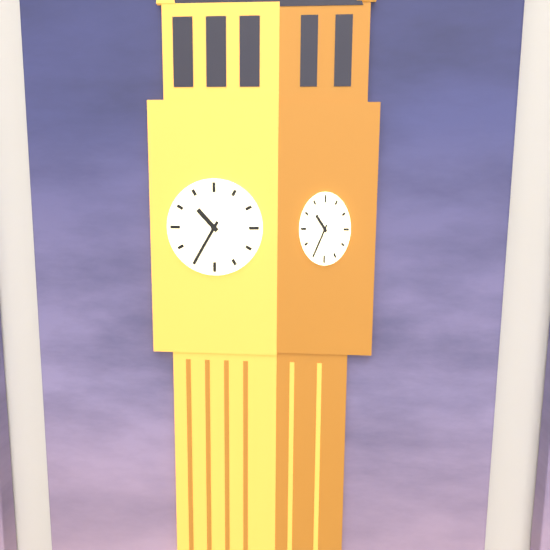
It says 10 h 35 min
